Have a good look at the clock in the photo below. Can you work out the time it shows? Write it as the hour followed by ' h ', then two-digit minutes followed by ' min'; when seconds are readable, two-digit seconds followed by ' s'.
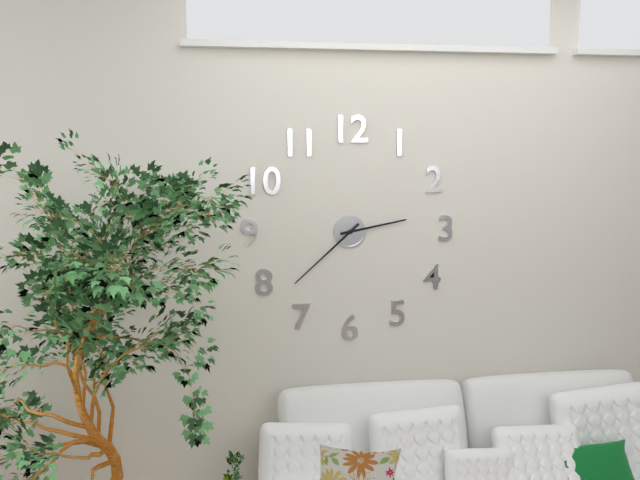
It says 2 h 38 min
